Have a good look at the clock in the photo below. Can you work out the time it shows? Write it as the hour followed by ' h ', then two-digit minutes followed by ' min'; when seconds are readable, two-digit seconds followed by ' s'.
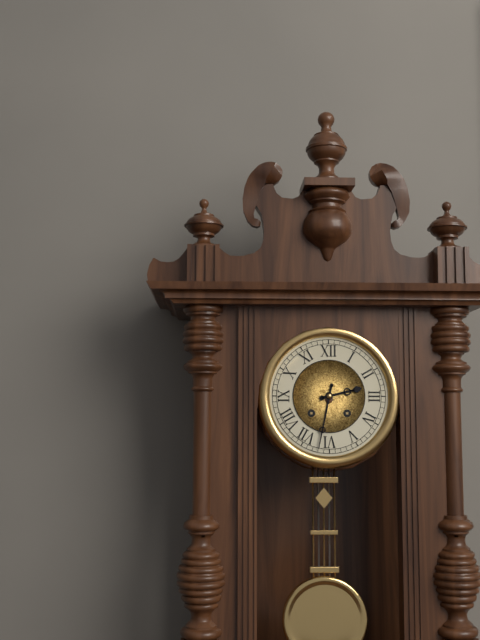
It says 2 h 32 min
